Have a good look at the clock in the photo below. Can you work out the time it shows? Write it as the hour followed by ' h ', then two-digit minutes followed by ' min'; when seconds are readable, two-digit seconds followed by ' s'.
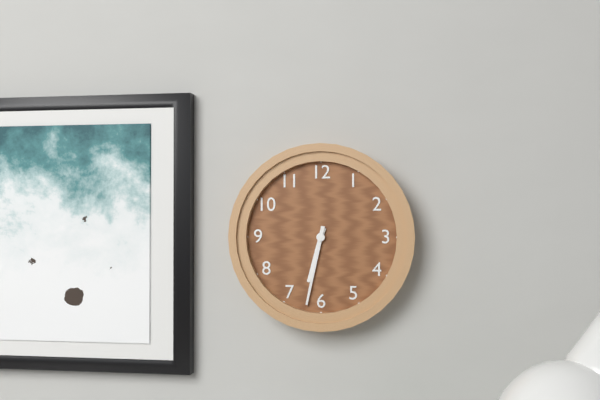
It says 6 h 32 min
